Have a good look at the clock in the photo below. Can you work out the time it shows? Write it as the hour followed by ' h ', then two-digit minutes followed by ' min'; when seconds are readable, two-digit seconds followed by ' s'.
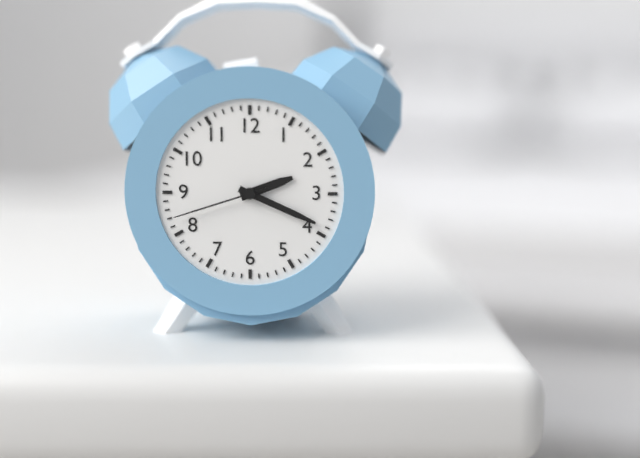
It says 2 h 19 min 42 s
